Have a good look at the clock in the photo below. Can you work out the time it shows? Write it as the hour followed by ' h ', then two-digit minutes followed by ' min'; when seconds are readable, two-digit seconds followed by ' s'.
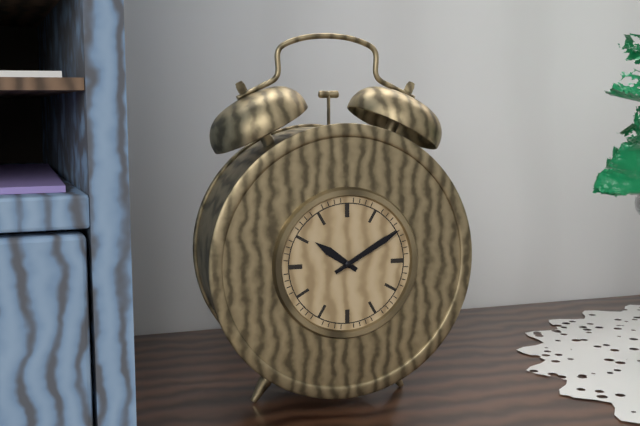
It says 10 h 10 min
